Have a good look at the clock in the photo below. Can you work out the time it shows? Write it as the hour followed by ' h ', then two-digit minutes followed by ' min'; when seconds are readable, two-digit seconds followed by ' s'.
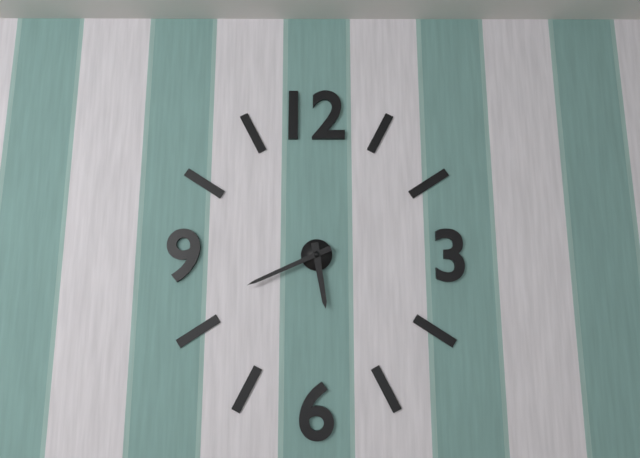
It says 5 h 41 min
